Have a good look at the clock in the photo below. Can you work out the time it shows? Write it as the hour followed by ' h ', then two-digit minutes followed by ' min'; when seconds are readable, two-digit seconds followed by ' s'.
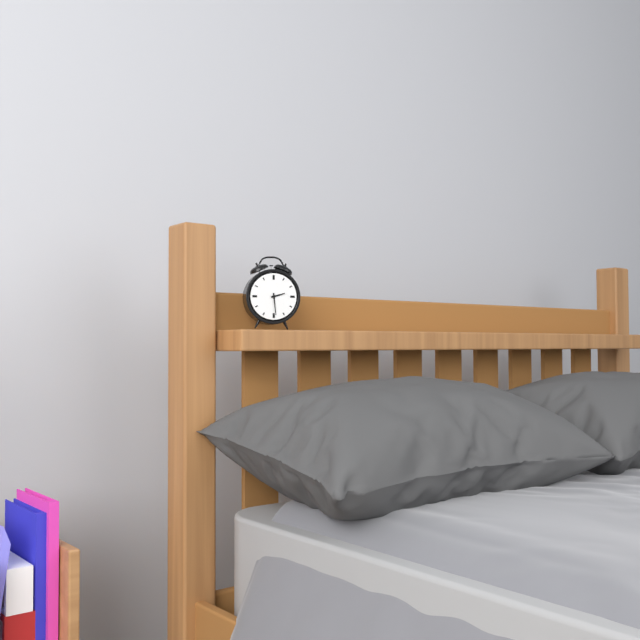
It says 2 h 29 min
